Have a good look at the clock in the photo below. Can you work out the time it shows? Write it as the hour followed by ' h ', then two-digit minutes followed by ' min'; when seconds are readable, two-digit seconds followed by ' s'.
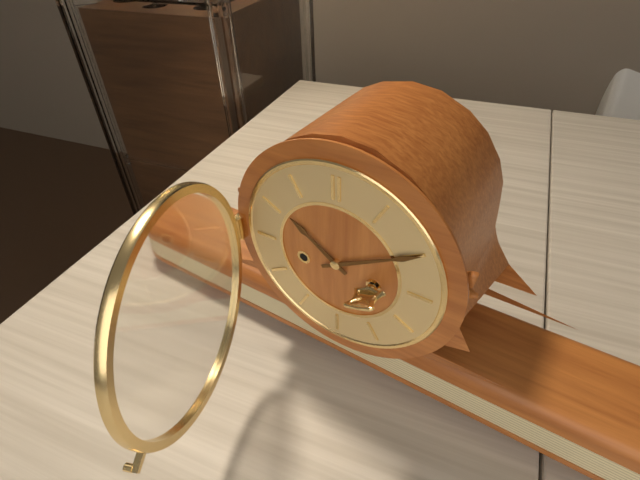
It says 10 h 10 min
